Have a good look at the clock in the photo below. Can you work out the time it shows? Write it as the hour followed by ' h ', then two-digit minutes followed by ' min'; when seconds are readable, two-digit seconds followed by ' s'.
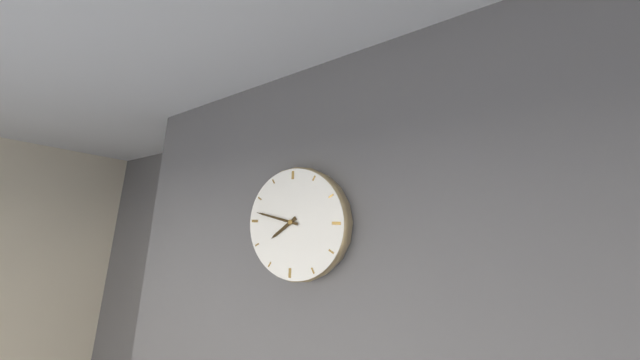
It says 7 h 47 min
